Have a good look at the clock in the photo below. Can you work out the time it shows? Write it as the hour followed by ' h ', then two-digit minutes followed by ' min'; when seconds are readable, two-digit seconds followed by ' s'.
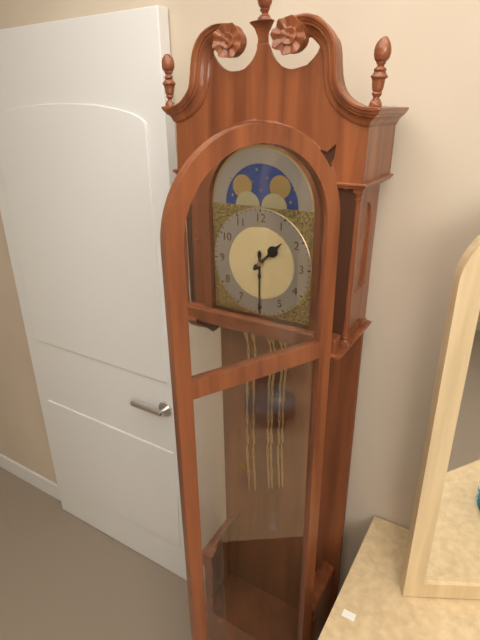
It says 1 h 30 min
